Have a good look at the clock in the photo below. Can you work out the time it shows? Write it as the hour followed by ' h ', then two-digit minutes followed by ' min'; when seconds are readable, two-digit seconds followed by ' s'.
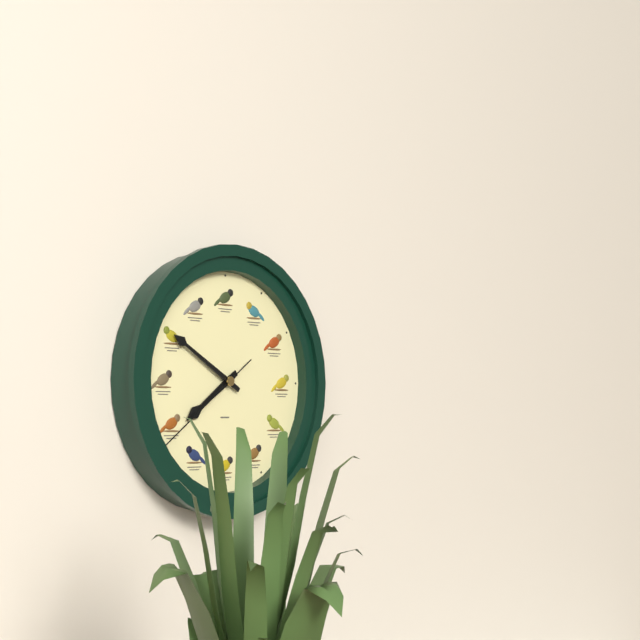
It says 7 h 50 min 39 s
